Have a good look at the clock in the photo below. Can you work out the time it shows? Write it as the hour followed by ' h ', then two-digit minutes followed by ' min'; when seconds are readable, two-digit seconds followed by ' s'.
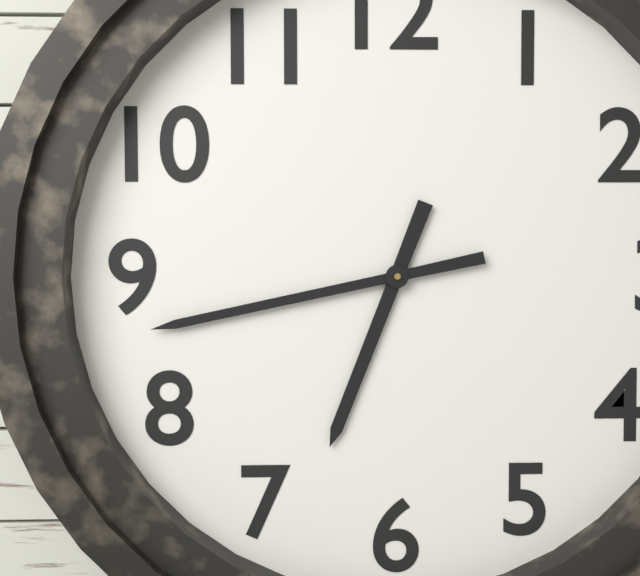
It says 6 h 43 min
